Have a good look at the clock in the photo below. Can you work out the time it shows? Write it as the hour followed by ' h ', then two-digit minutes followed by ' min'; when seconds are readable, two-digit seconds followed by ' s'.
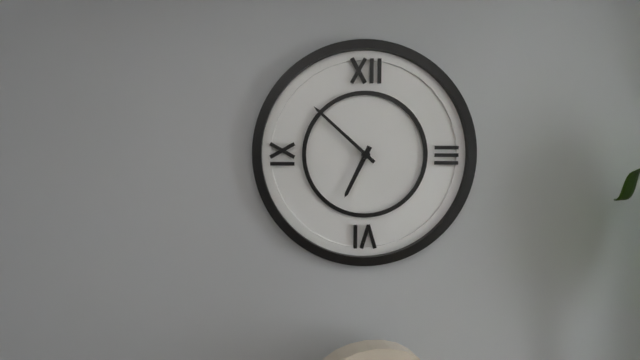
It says 6 h 52 min
